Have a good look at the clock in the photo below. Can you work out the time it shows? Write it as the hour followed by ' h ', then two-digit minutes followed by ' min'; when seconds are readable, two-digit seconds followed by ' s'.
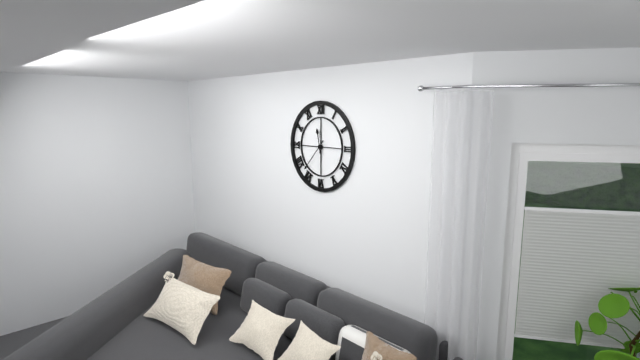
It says 11 h 37 min
